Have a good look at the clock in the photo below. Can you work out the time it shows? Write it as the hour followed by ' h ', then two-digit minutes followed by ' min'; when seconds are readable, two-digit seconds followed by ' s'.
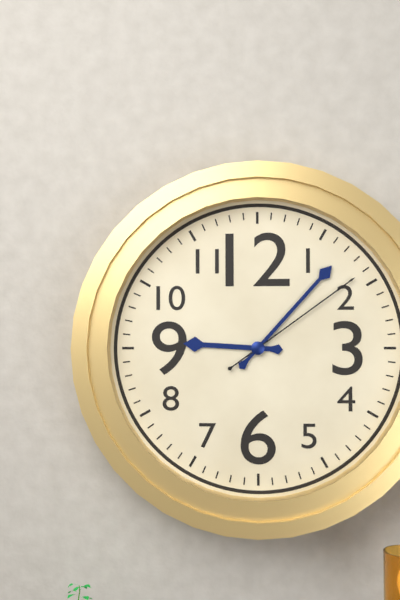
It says 9 h 07 min 09 s
